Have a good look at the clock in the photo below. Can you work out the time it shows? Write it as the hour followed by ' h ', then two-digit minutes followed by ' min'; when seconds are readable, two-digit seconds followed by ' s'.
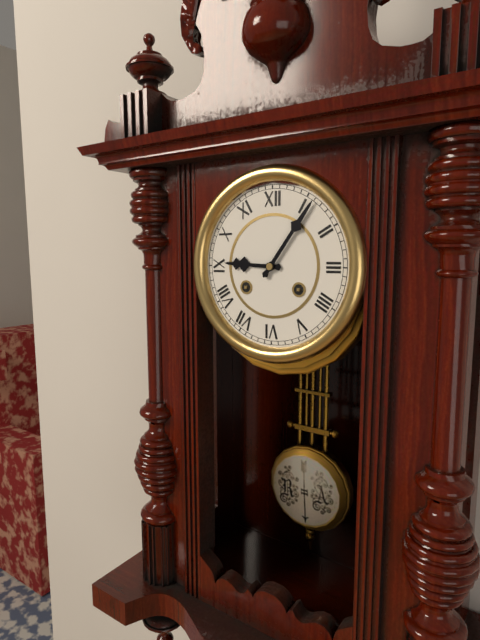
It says 9 h 06 min
